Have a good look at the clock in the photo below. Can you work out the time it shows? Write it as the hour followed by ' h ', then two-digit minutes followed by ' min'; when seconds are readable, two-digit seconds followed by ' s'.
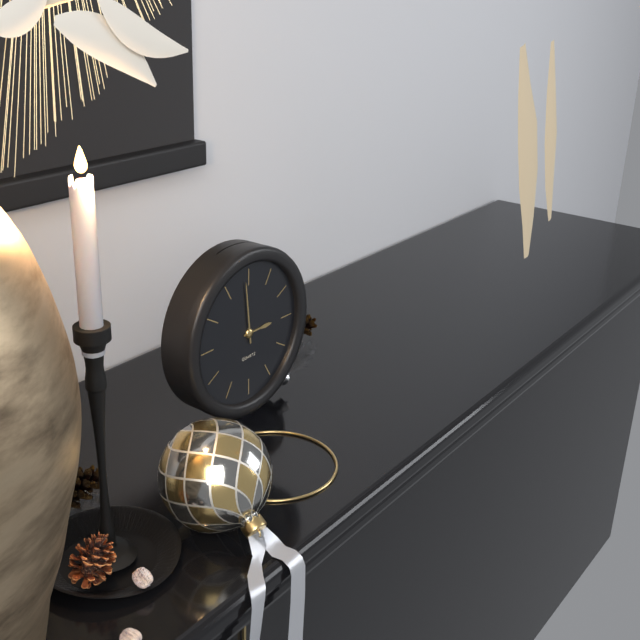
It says 2 h 59 min
